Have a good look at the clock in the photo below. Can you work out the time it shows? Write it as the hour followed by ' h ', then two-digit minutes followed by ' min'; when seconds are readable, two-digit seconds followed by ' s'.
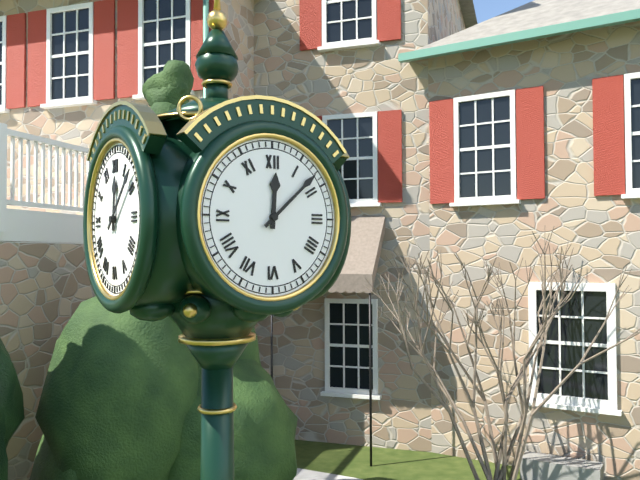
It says 12 h 08 min
